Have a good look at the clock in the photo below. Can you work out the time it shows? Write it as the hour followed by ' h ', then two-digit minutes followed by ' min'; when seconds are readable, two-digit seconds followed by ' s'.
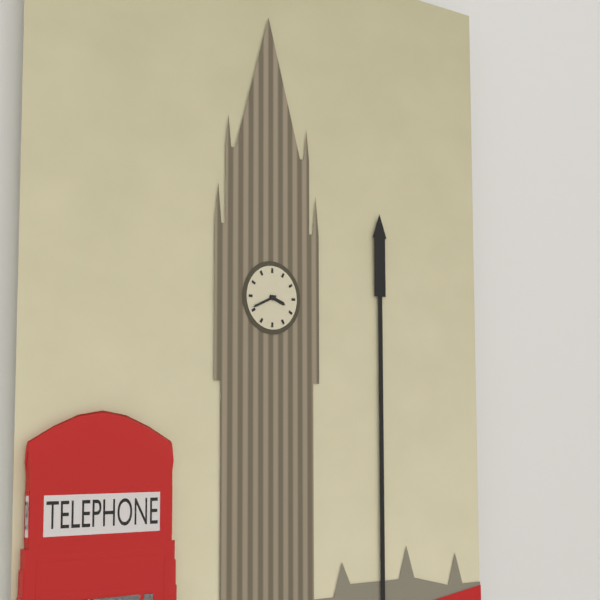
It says 3 h 41 min
